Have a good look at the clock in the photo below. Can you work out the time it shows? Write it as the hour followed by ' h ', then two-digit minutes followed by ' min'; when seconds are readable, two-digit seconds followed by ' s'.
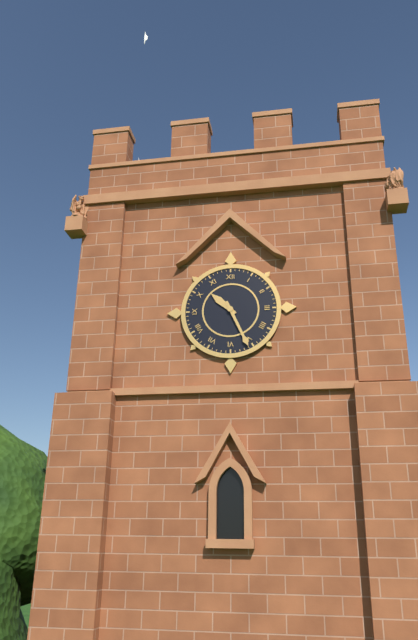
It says 10 h 26 min
